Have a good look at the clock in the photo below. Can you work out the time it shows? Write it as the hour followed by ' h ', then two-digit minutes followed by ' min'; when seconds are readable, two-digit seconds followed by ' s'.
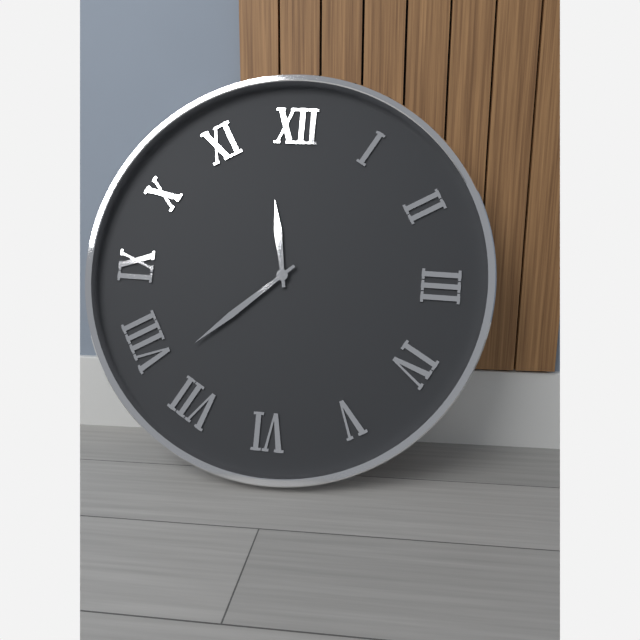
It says 11 h 38 min
